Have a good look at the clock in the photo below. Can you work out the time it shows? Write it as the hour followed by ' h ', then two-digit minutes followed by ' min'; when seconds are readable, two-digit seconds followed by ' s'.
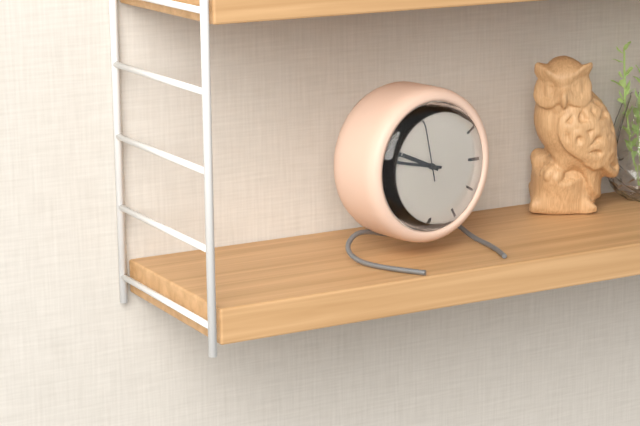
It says 9 h 47 min 58 s
